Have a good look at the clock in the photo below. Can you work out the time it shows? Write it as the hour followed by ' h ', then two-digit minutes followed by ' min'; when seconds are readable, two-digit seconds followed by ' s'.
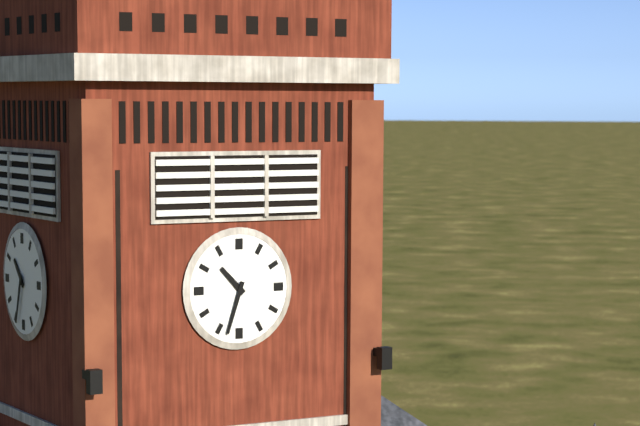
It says 10 h 33 min
